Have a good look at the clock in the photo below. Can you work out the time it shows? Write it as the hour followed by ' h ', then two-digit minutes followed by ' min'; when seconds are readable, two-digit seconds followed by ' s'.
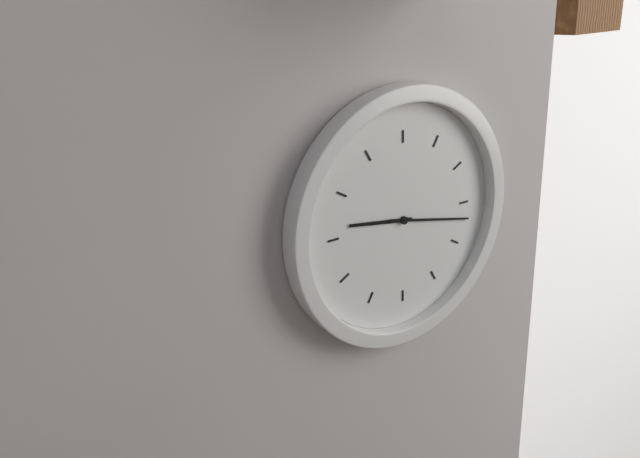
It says 9 h 17 min
